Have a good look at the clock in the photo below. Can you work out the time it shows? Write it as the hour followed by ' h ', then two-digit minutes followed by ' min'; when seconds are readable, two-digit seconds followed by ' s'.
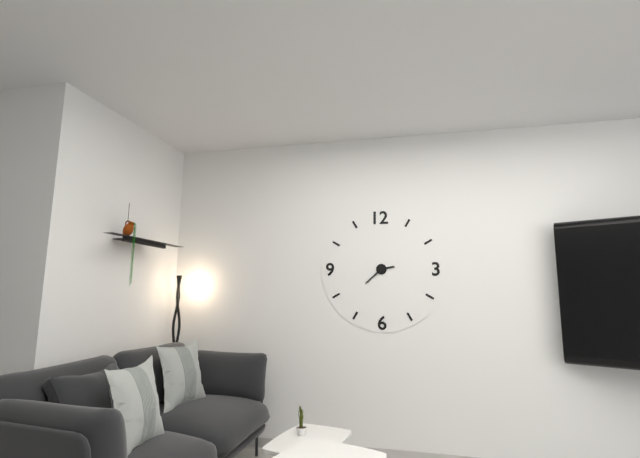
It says 2 h 38 min
